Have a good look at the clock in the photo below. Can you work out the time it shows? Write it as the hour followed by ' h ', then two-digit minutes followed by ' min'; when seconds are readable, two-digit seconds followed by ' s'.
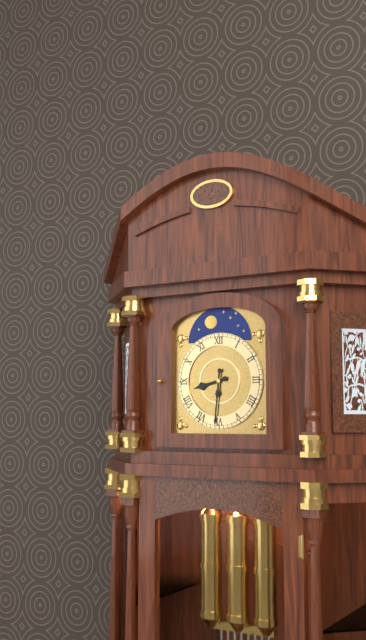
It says 8 h 31 min
